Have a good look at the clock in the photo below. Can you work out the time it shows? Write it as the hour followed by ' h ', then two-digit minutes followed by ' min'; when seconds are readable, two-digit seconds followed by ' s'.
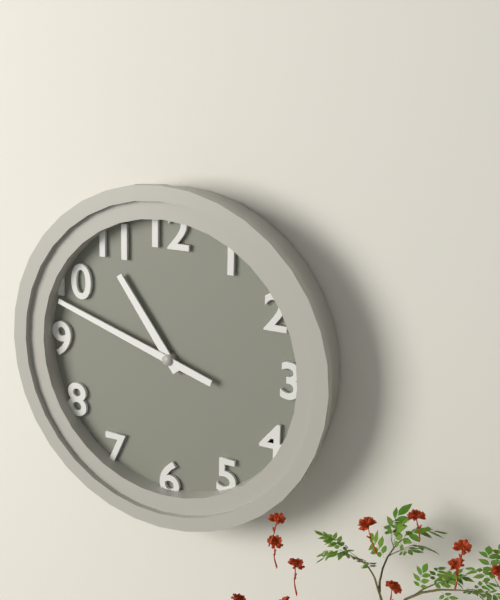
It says 10 h 48 min
